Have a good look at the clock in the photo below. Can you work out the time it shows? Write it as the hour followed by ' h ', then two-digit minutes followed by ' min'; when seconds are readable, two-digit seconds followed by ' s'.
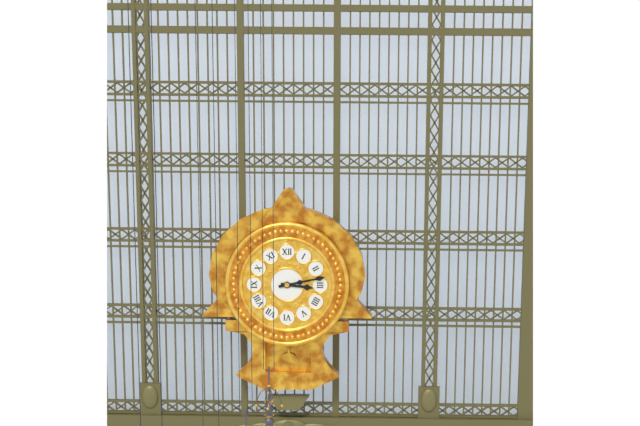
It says 3 h 13 min
